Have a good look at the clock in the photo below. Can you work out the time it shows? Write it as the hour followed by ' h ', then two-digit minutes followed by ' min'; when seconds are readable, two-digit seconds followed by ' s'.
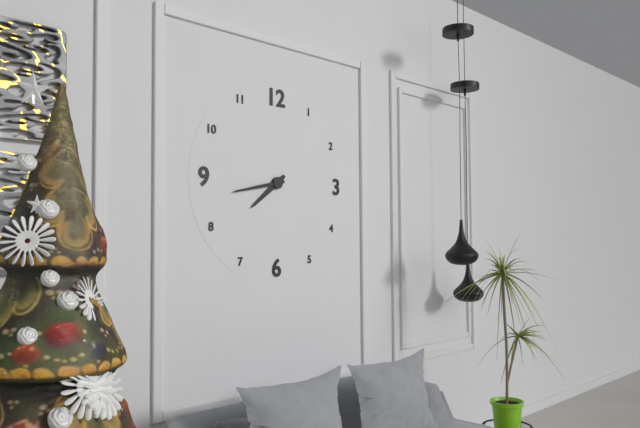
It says 7 h 43 min
